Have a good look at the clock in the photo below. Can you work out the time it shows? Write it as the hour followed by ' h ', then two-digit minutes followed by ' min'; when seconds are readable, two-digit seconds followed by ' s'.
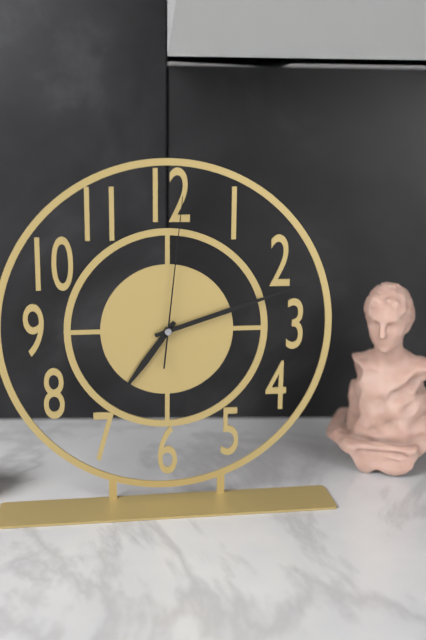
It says 7 h 12 min 01 s
